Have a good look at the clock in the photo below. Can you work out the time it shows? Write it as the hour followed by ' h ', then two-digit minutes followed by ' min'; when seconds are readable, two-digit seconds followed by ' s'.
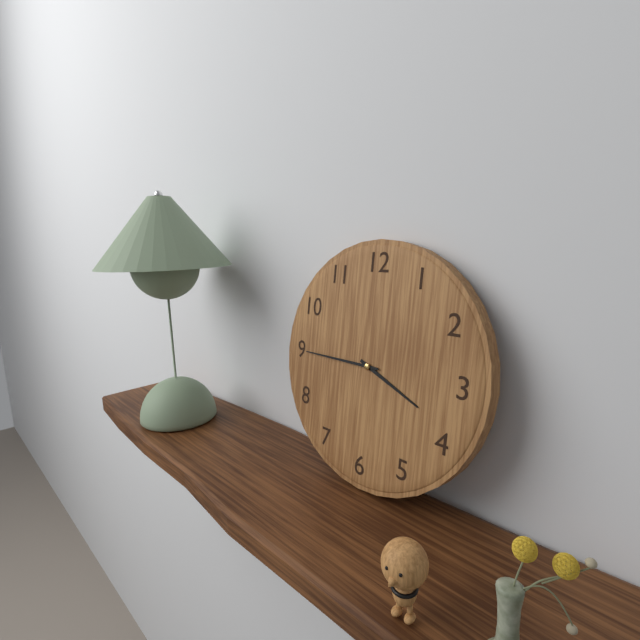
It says 3 h 45 min
